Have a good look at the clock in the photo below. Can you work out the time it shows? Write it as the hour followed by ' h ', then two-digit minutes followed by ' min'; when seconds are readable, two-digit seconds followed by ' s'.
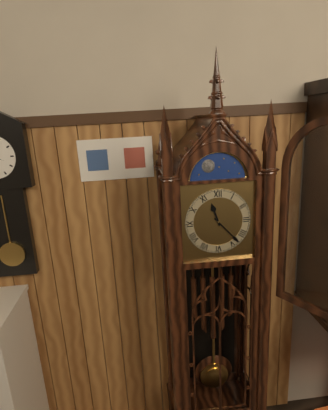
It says 11 h 23 min
